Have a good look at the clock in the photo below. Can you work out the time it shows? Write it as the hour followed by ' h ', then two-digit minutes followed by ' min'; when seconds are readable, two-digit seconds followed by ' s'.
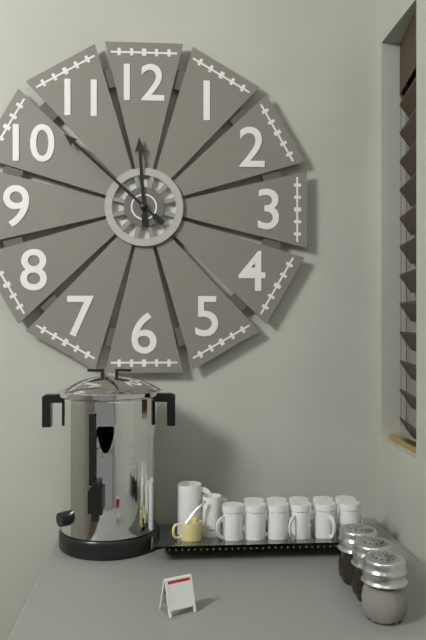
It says 11 h 52 min
